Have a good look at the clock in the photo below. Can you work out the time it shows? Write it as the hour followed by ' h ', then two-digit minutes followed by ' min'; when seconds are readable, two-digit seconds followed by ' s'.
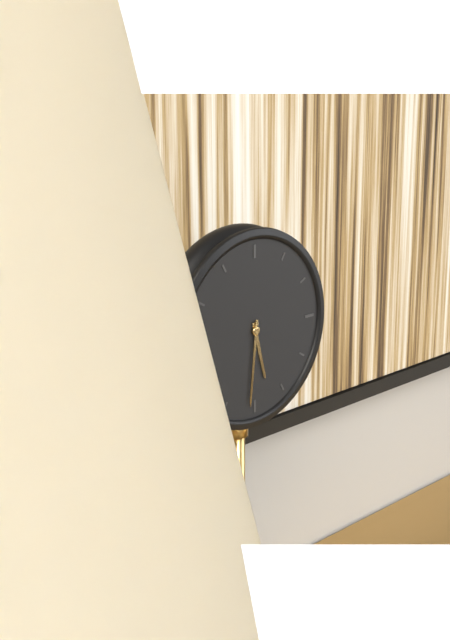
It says 5 h 31 min
